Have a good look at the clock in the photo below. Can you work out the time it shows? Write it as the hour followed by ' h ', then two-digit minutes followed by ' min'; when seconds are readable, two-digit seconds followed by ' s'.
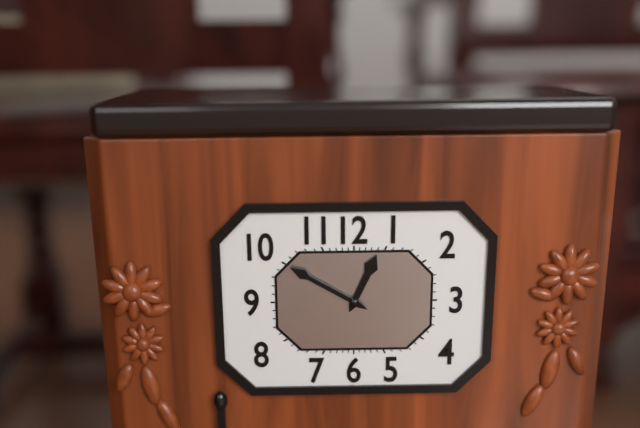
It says 12 h 50 min
